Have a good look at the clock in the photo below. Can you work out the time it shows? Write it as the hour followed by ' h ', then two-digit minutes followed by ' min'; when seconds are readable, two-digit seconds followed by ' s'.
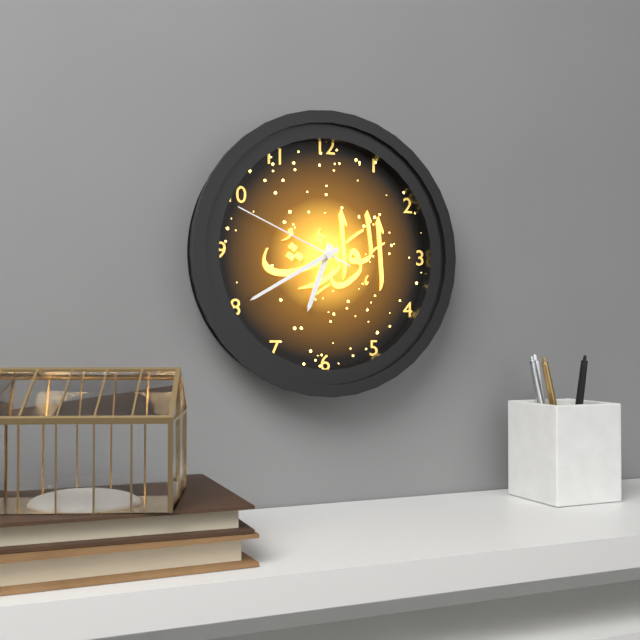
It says 6 h 40 min 49 s
